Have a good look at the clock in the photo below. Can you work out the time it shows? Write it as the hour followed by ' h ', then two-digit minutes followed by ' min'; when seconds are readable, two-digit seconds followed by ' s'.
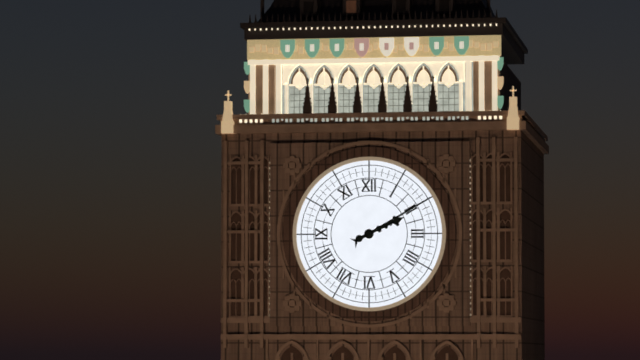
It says 2 h 10 min
